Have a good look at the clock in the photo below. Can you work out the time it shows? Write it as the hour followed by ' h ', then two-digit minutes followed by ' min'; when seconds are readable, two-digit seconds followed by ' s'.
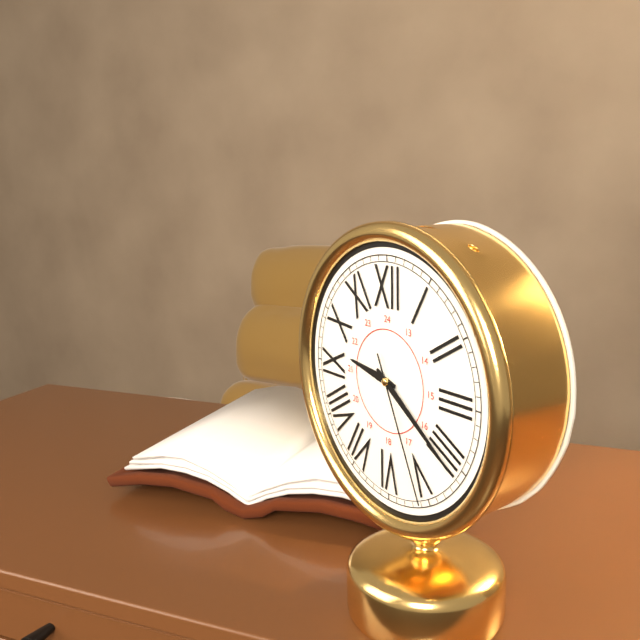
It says 9 h 21 min 26 s
